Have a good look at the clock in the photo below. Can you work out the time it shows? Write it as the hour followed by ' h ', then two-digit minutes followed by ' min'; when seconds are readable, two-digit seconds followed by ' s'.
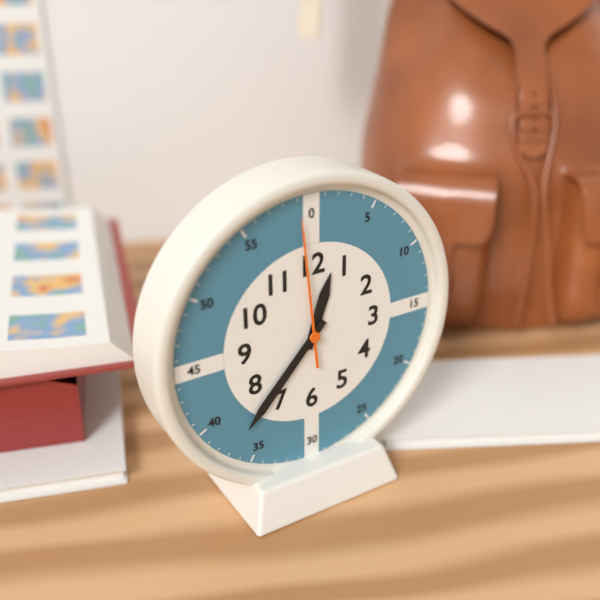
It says 12 h 37 min 59 s
